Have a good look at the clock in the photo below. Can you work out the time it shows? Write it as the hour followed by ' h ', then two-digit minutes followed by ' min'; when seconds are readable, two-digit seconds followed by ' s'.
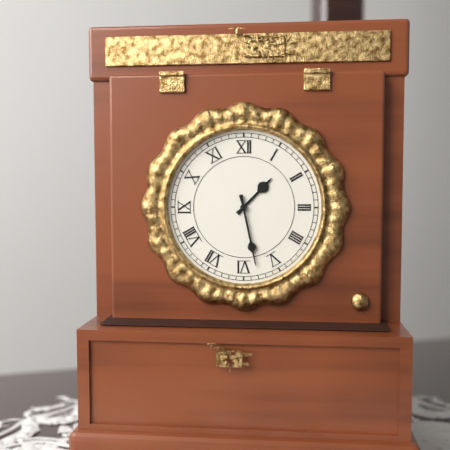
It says 1 h 28 min
